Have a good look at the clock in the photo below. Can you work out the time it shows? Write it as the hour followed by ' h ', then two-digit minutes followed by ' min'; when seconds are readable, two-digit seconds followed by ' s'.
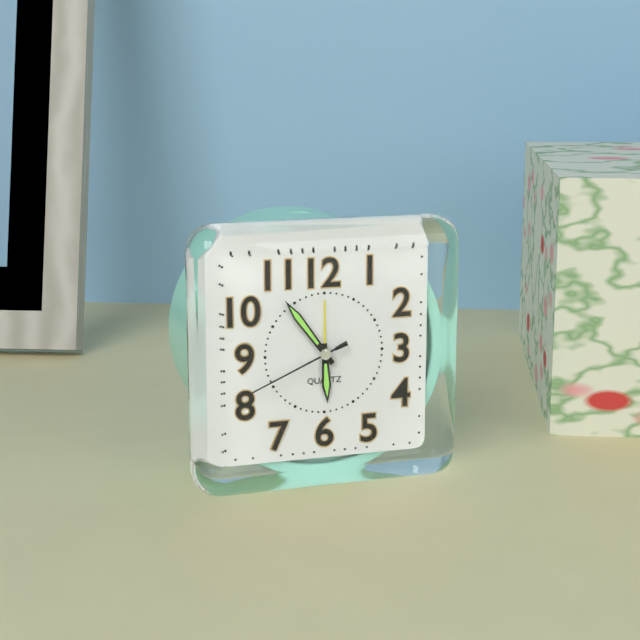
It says 5 h 54 min 41 s
